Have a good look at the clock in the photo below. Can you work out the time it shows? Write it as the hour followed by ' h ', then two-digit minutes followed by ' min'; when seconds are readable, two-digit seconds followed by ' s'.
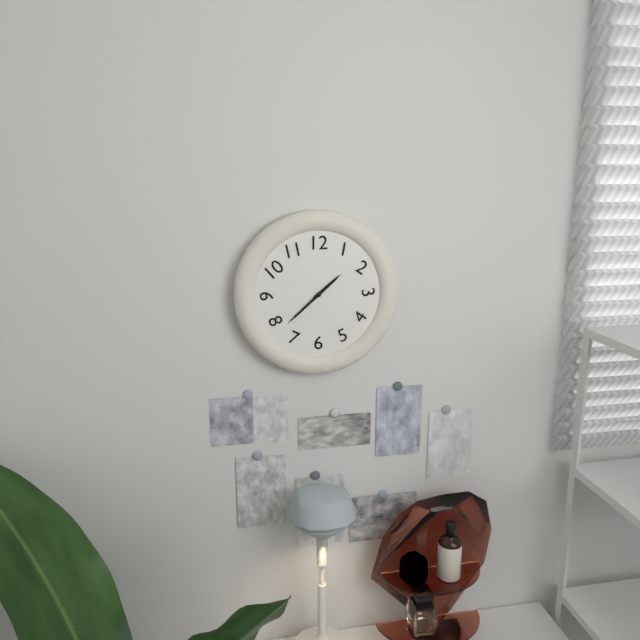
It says 1 h 38 min
